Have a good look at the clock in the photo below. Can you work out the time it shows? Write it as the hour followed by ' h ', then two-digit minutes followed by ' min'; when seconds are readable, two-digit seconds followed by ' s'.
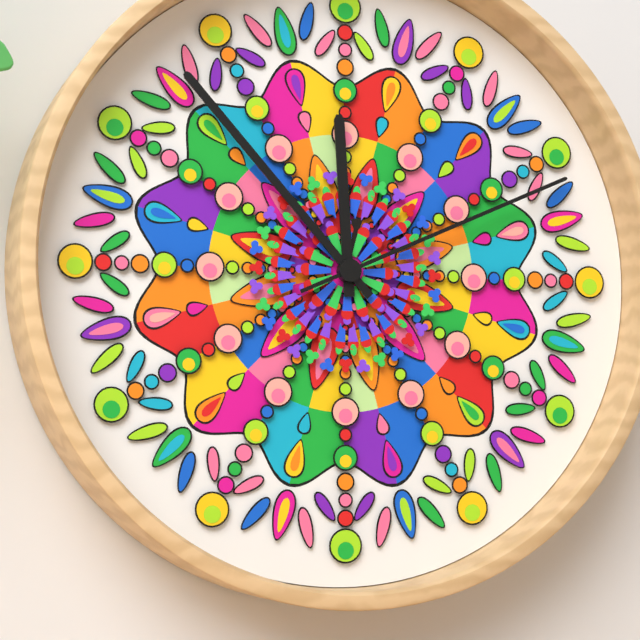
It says 11 h 53 min 11 s
